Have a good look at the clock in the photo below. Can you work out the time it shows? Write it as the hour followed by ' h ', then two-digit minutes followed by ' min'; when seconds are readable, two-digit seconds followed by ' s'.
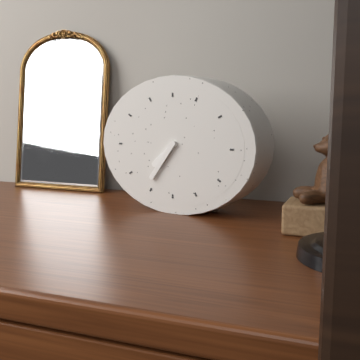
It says 7 h 36 min
